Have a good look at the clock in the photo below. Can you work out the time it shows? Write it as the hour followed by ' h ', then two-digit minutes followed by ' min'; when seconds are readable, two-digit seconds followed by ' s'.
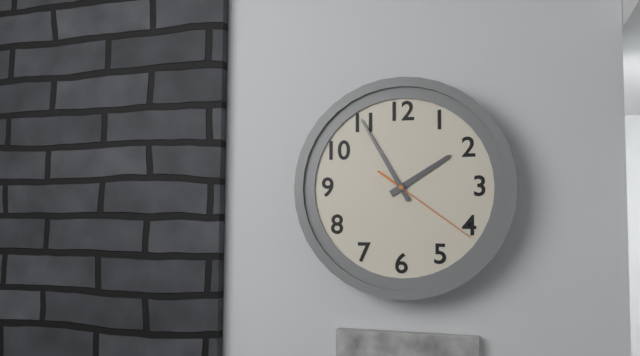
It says 1 h 55 min 21 s
